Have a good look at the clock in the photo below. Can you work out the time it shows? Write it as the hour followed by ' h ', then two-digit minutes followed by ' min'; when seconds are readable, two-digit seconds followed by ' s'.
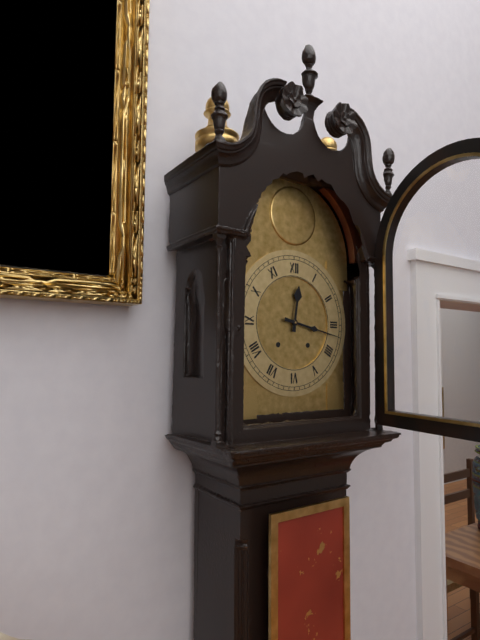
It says 12 h 17 min
